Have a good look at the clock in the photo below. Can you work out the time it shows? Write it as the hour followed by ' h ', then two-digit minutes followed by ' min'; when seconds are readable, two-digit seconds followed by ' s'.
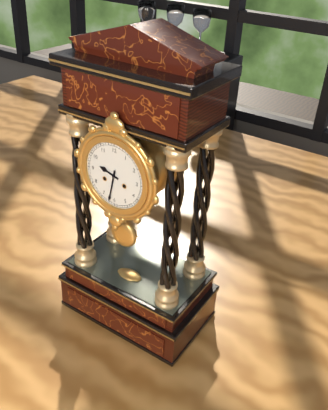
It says 9 h 32 min
